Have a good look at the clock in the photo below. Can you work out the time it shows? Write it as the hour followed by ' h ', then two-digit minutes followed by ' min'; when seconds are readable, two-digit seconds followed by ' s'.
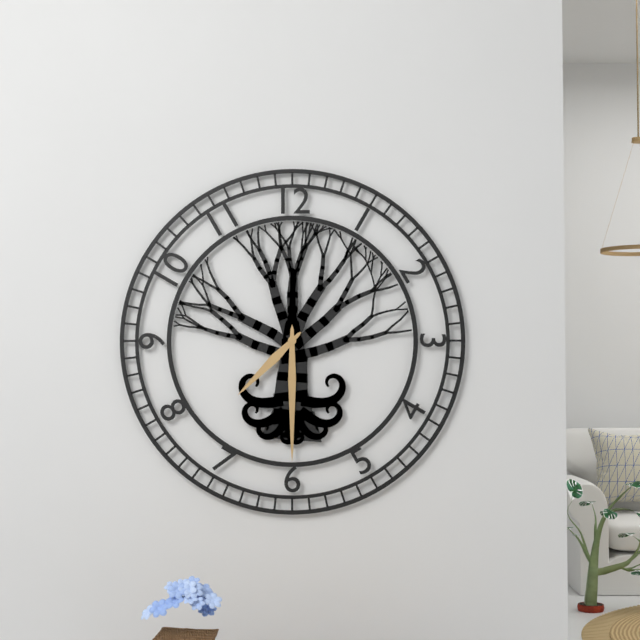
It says 7 h 30 min
